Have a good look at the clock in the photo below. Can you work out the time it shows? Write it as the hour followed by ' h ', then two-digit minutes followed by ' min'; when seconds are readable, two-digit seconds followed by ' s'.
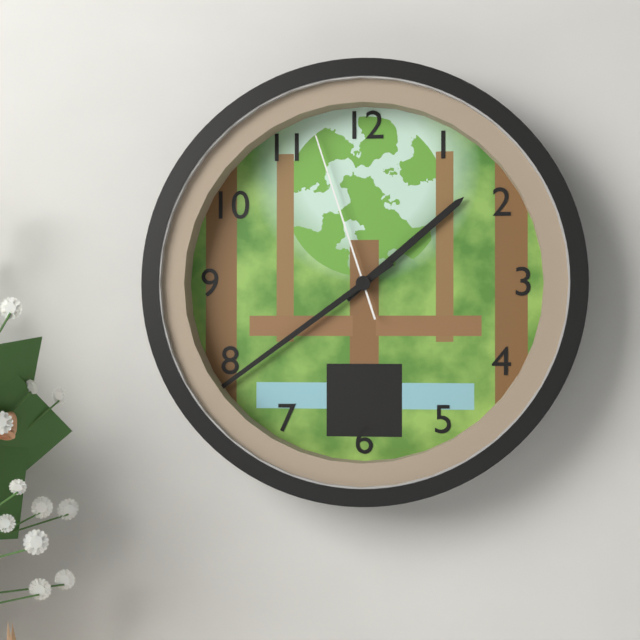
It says 1 h 39 min 57 s
